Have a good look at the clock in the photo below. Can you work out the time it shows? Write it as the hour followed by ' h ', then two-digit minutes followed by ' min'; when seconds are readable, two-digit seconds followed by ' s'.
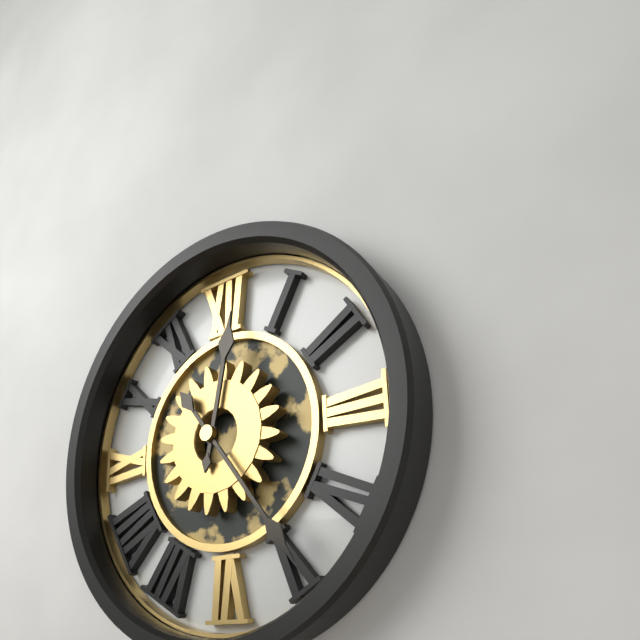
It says 12 h 24 min
